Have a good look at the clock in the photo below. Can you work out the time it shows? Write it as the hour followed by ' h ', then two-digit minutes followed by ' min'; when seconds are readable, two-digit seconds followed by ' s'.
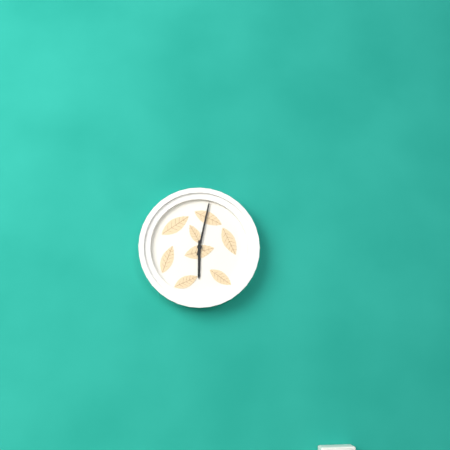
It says 6 h 02 min
